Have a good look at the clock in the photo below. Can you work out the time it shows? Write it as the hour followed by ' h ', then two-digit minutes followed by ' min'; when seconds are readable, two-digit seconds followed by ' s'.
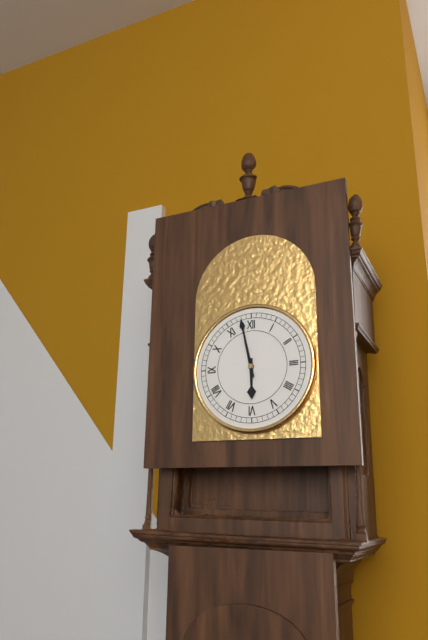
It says 5 h 58 min
